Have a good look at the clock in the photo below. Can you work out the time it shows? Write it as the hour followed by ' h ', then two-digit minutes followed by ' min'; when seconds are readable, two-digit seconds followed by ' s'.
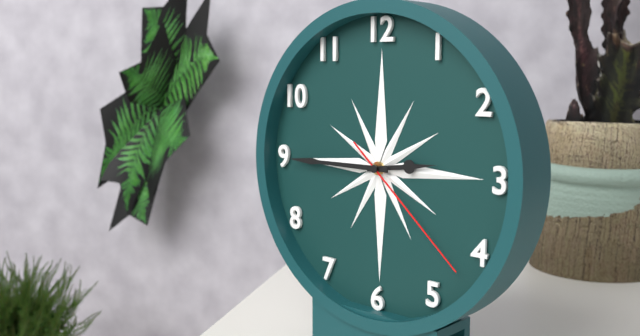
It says 2 h 45 min 22 s
